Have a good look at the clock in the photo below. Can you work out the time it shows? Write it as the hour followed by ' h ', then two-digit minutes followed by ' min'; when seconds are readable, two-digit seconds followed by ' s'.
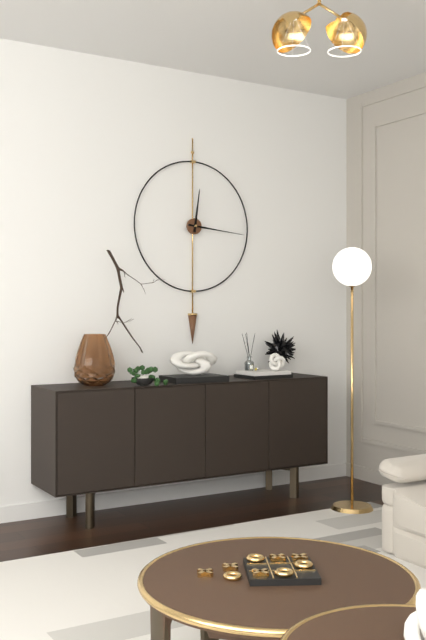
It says 12 h 16 min
